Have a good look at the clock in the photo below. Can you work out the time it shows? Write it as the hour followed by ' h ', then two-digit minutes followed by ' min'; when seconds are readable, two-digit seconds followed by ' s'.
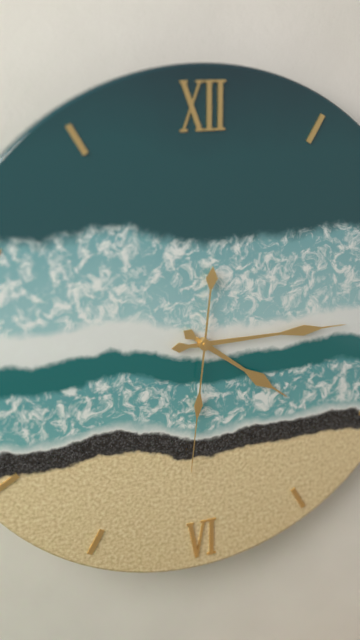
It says 4 h 15 min 31 s
